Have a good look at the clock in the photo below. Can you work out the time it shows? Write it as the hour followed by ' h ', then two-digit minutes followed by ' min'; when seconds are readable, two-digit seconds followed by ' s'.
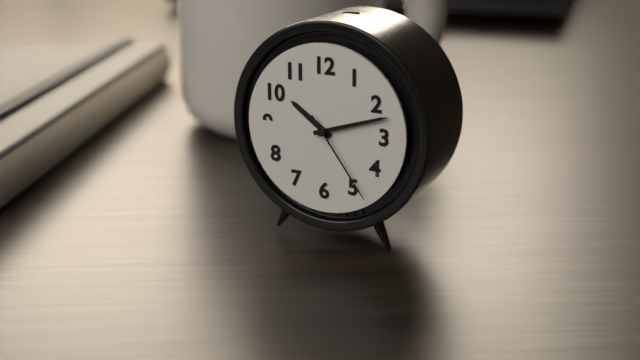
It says 10 h 12 min 24 s
